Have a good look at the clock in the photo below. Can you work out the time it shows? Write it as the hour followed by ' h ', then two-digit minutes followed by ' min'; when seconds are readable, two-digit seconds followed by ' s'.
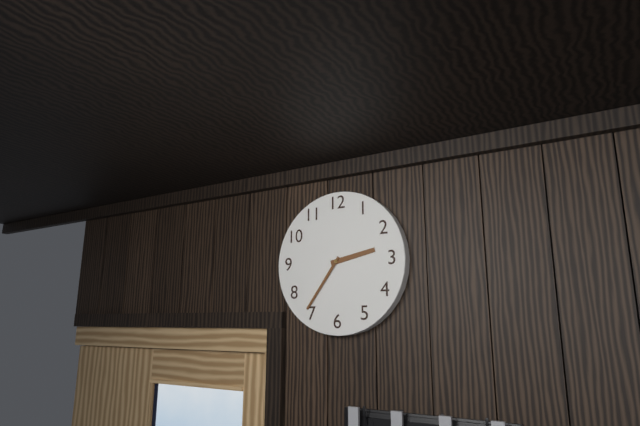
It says 2 h 36 min
